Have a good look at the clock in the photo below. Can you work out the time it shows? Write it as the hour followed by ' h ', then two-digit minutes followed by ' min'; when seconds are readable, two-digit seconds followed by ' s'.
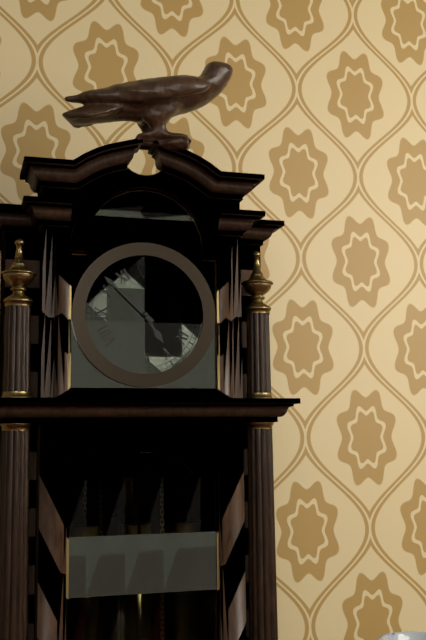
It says 4 h 52 min
